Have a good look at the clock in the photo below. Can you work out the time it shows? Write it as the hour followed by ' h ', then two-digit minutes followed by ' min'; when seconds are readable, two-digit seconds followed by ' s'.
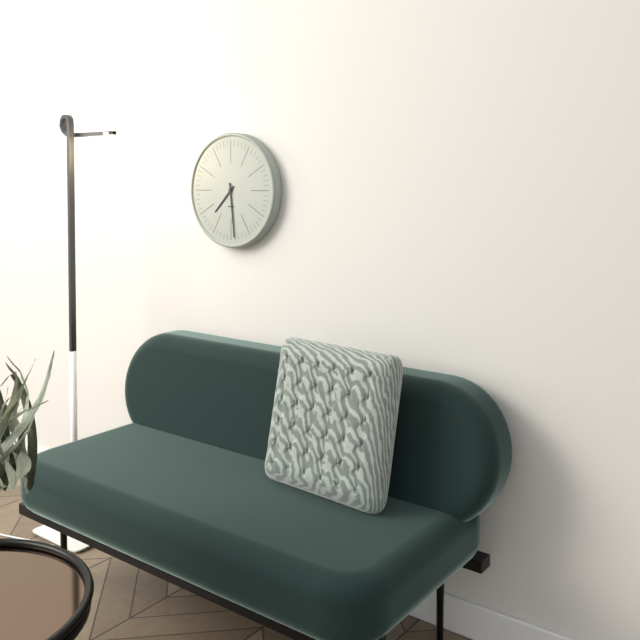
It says 7 h 29 min
